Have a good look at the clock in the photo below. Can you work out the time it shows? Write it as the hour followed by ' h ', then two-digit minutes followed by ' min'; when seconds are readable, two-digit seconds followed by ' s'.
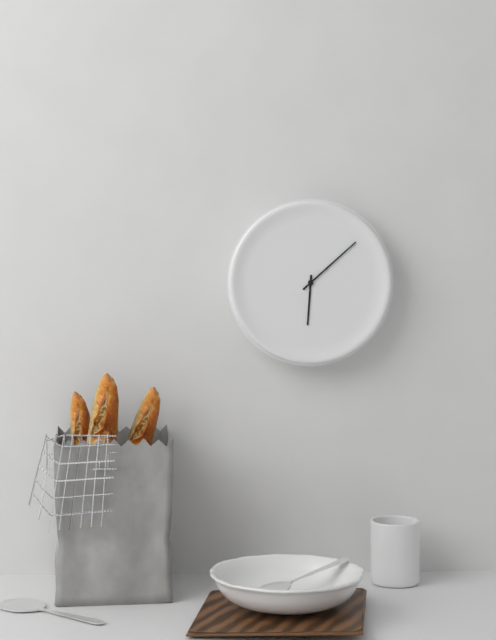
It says 6 h 08 min
